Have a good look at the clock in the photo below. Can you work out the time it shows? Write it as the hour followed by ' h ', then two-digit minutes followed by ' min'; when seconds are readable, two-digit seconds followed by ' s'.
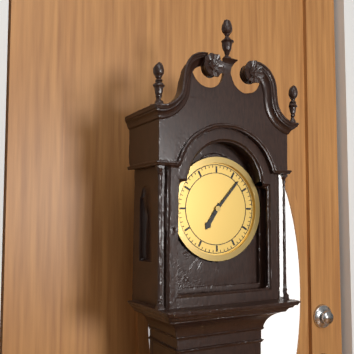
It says 7 h 07 min
